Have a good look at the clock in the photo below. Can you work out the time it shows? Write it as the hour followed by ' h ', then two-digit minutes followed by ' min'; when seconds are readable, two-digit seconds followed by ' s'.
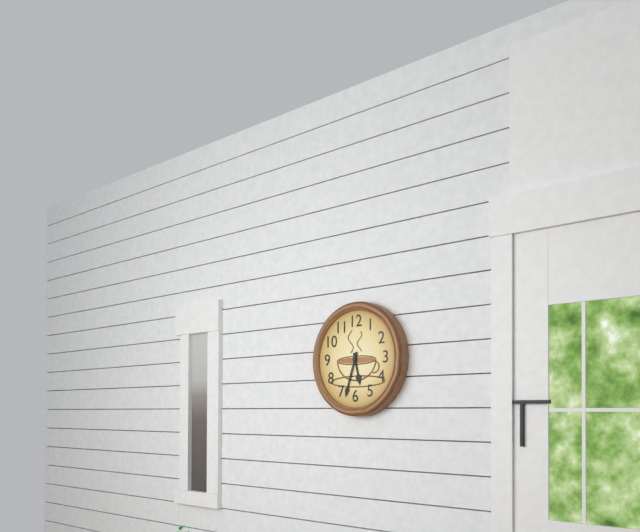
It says 5 h 33 min
